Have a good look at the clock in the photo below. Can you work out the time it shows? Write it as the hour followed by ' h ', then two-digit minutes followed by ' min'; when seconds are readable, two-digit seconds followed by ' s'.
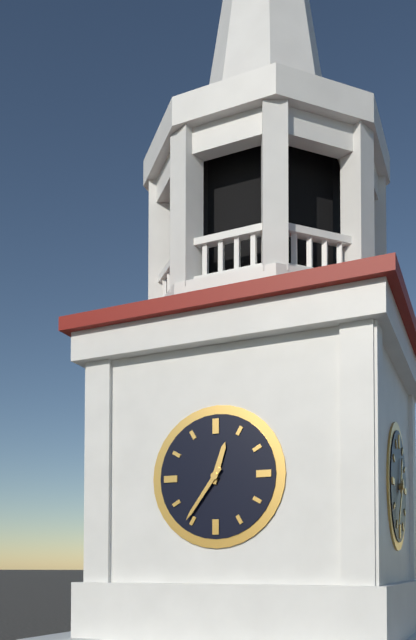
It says 12 h 36 min
